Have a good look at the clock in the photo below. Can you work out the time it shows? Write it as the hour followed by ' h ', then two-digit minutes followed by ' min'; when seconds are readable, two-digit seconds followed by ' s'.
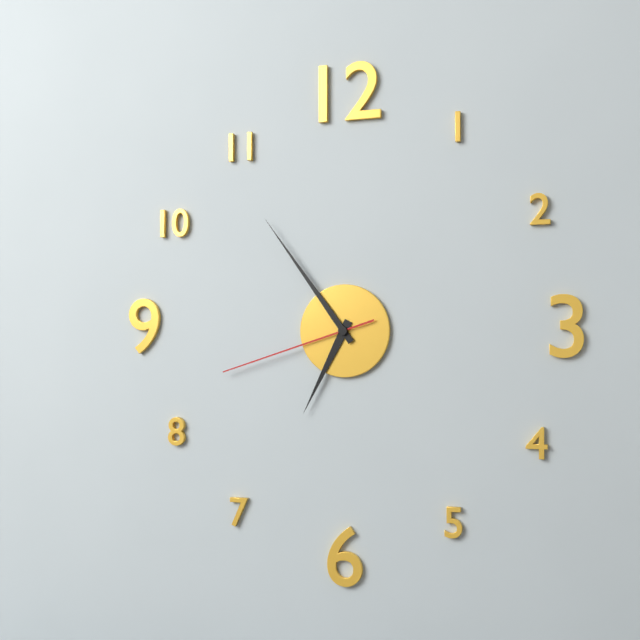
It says 6 h 54 min 42 s
